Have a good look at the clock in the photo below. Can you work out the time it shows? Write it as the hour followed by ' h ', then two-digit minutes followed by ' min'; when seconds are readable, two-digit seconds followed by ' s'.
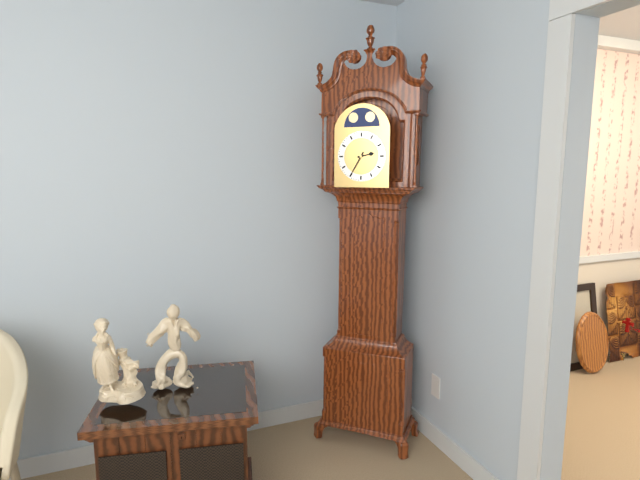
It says 2 h 35 min
